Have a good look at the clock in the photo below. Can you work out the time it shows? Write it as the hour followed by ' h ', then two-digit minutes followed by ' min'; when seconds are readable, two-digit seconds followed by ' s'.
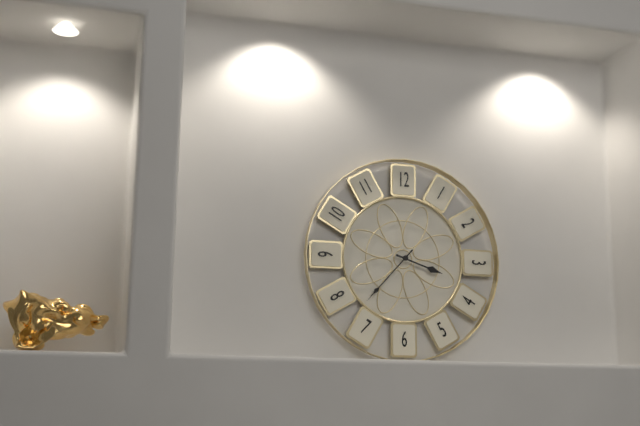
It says 3 h 37 min
